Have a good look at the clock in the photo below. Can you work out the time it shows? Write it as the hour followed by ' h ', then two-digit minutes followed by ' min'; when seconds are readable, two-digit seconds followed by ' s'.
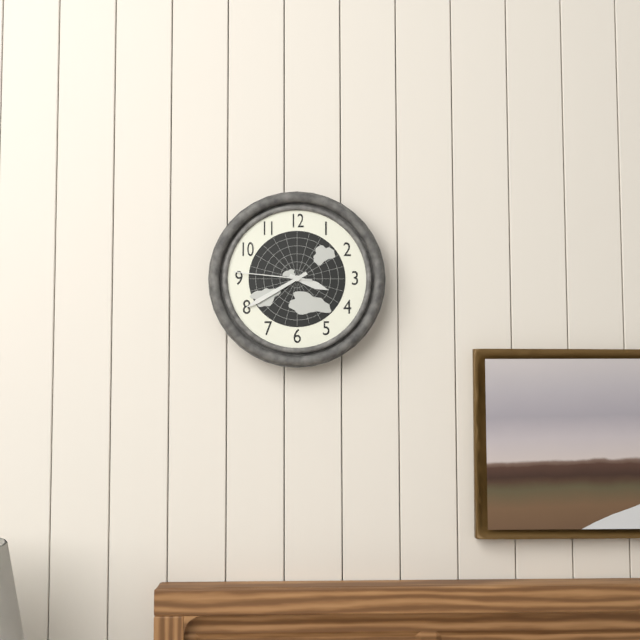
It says 3 h 40 min 46 s
